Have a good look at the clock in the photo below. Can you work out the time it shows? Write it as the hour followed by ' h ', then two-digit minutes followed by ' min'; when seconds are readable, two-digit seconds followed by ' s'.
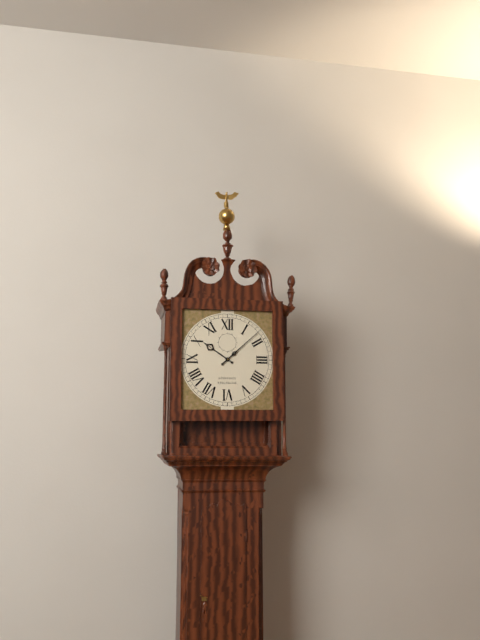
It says 10 h 08 min
